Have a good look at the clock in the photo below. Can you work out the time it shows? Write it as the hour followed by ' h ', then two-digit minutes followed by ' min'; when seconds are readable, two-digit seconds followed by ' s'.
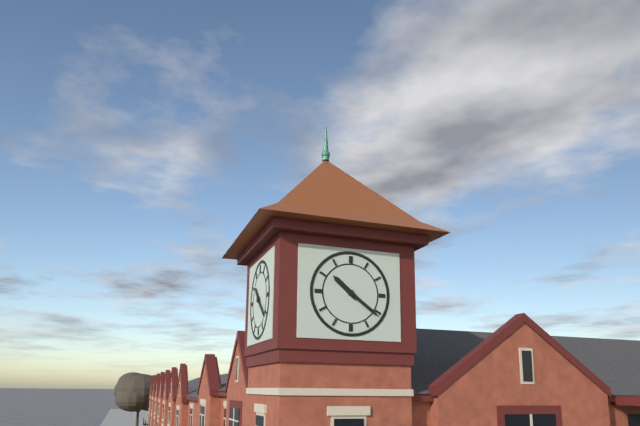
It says 10 h 21 min
